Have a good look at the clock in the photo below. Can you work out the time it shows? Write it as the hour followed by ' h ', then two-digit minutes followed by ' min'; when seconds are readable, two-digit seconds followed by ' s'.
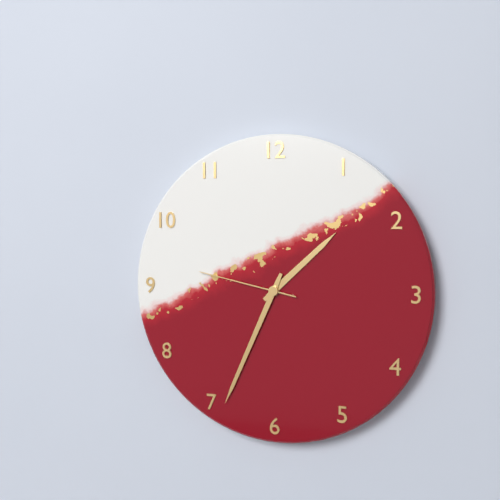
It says 1 h 34 min 47 s
